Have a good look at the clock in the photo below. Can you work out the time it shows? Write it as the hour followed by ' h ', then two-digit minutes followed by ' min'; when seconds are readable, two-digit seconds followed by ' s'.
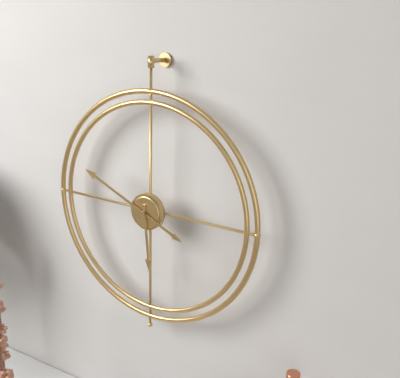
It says 5 h 49 min
